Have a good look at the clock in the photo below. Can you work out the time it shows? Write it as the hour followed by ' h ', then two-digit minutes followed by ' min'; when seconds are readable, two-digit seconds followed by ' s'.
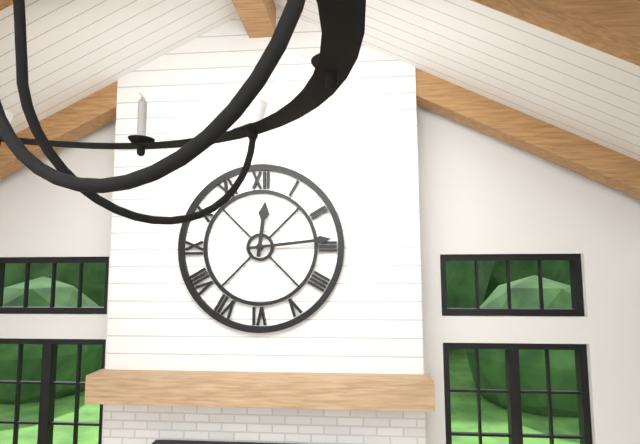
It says 12 h 14 min
